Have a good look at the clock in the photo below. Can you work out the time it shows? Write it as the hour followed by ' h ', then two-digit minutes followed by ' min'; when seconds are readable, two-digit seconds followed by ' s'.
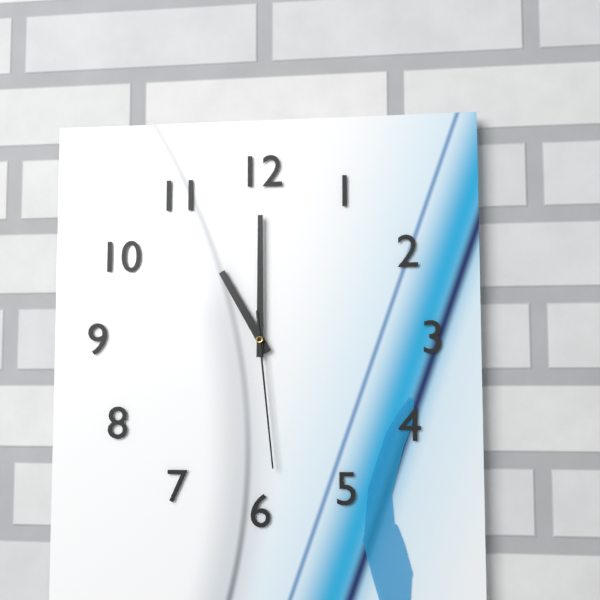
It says 11 h 00 min 29 s
